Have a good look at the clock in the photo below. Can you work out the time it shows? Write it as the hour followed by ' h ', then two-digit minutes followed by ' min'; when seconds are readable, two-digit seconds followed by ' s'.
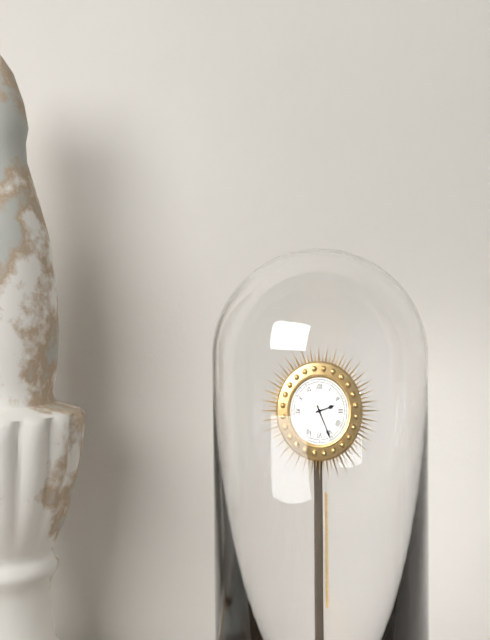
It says 2 h 26 min
